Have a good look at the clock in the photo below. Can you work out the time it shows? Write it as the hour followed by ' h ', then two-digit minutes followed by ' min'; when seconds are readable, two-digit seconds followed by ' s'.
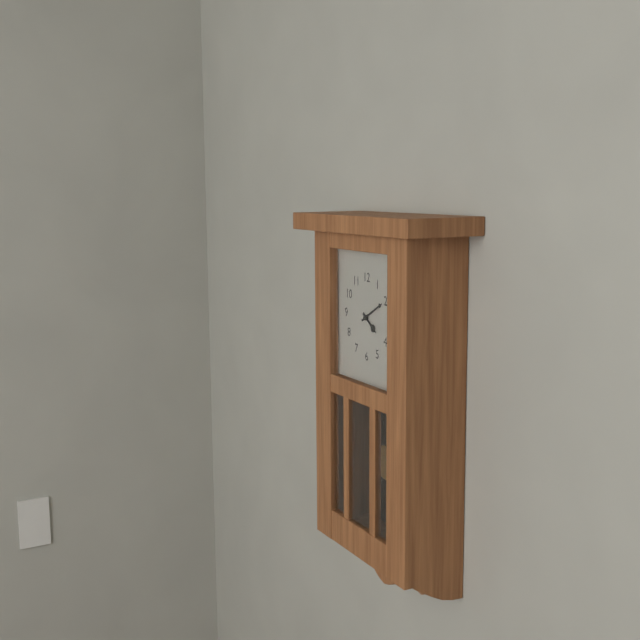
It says 4 h 10 min
